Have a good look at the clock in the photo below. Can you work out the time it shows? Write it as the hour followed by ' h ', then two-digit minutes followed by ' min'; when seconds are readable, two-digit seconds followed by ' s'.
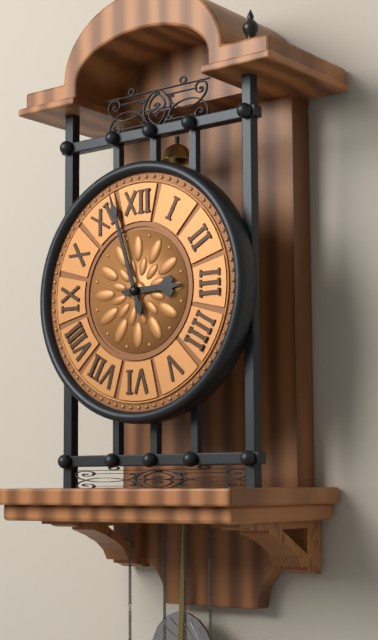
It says 2 h 57 min
